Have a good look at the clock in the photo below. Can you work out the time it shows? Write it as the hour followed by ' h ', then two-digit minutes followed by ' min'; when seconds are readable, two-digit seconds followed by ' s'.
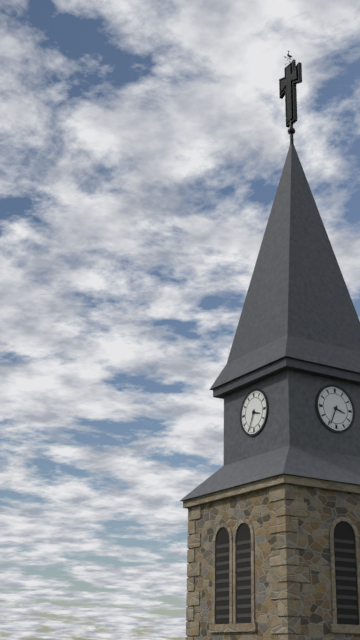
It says 3 h 34 min
